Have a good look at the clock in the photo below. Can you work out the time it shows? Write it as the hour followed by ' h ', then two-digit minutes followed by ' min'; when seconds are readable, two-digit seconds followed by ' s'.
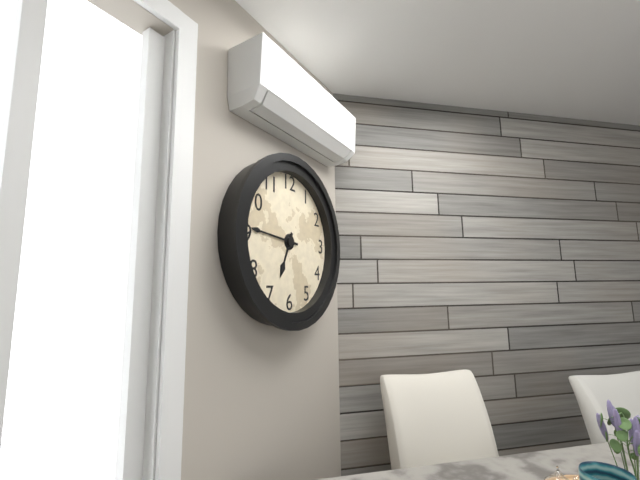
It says 6 h 46 min
